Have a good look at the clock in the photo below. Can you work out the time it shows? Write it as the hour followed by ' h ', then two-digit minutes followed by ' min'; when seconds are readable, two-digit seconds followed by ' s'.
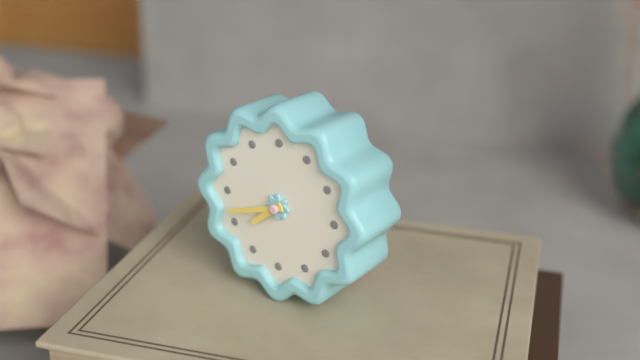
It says 7 h 42 min
